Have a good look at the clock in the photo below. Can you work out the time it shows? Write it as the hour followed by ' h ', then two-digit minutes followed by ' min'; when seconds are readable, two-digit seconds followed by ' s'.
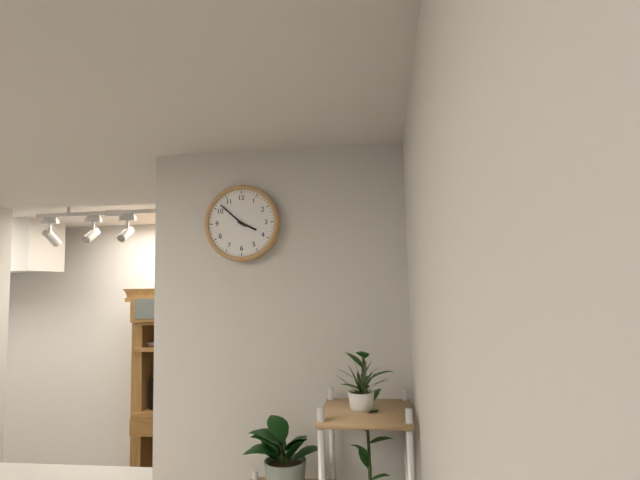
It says 3 h 52 min
